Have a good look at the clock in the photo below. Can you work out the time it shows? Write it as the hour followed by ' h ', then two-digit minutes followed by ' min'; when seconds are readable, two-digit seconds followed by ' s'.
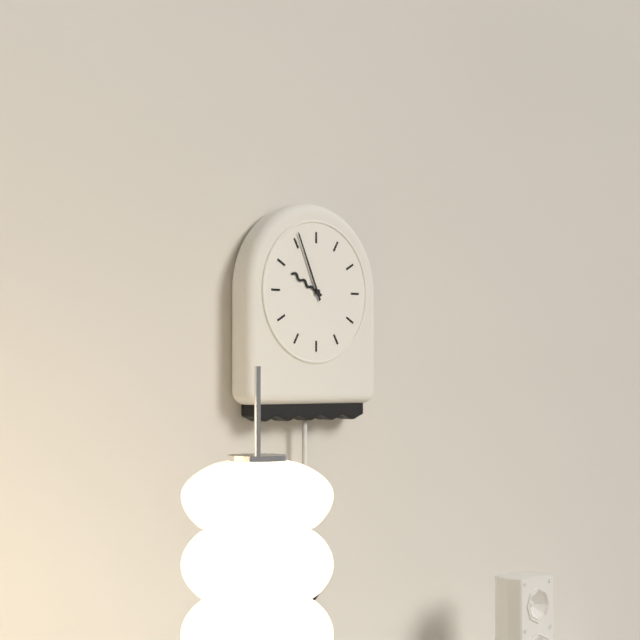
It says 9 h 56 min
